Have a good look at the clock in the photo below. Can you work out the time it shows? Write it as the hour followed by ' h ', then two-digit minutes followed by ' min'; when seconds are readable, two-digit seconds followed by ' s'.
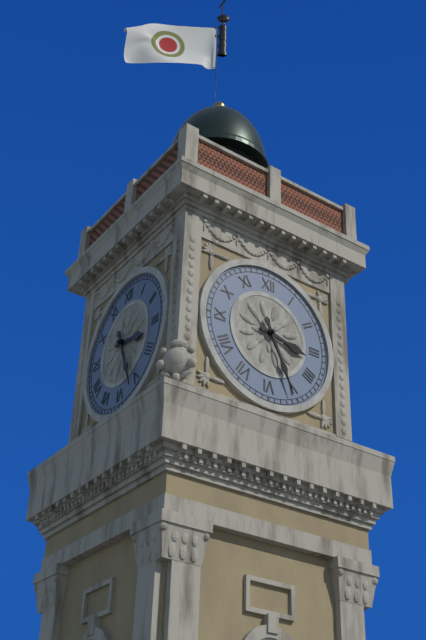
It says 3 h 26 min
